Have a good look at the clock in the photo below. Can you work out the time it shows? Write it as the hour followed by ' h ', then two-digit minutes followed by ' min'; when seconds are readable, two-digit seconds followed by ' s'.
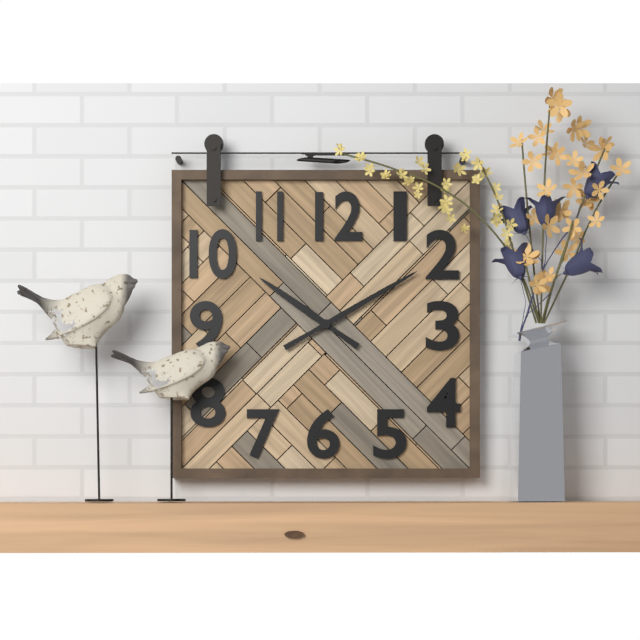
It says 10 h 10 min
